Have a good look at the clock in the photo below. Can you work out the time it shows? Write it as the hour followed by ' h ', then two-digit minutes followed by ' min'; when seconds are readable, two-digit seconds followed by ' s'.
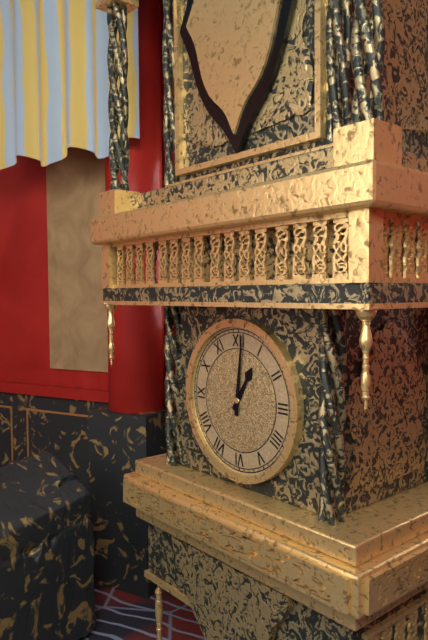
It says 1 h 01 min
